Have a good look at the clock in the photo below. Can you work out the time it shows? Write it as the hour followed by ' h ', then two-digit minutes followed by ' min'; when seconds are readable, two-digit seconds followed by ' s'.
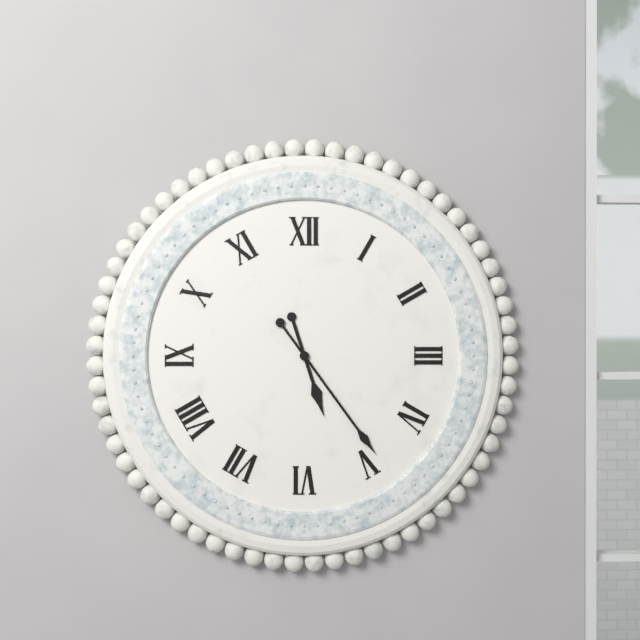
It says 5 h 24 min
